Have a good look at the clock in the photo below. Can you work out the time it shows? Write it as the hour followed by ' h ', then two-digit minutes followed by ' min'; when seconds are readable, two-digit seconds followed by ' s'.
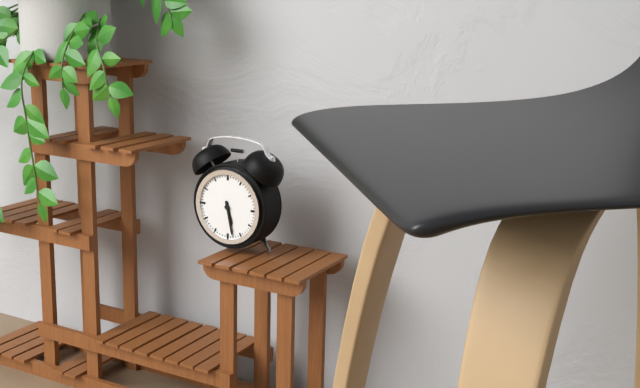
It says 5 h 28 min
